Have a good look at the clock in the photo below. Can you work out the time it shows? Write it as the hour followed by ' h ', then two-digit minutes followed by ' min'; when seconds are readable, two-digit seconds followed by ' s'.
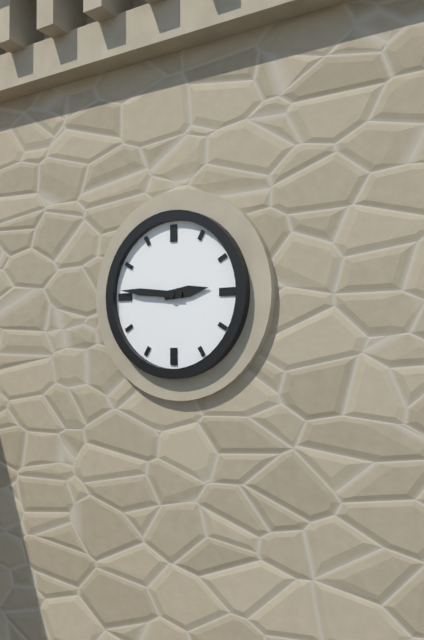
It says 2 h 46 min
